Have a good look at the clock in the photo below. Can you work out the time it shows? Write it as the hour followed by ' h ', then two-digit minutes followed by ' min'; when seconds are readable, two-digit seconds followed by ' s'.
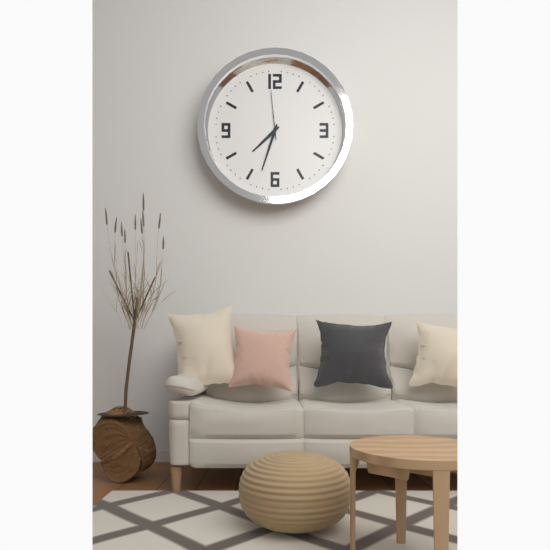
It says 7 h 33 min 59 s
